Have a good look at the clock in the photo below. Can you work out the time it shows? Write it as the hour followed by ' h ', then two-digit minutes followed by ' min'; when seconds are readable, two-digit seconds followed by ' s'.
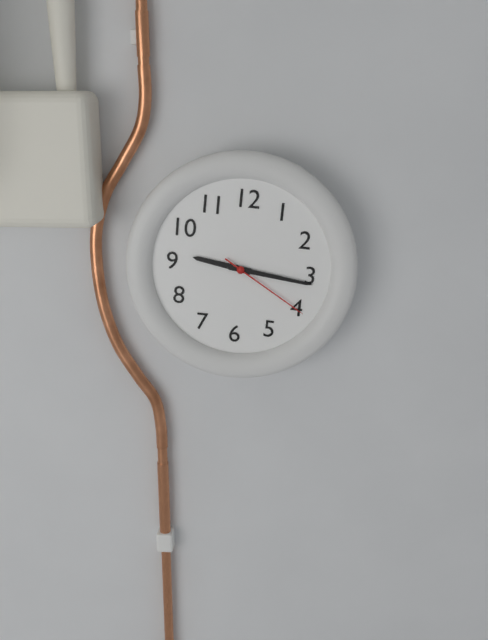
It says 9 h 16 min 20 s
